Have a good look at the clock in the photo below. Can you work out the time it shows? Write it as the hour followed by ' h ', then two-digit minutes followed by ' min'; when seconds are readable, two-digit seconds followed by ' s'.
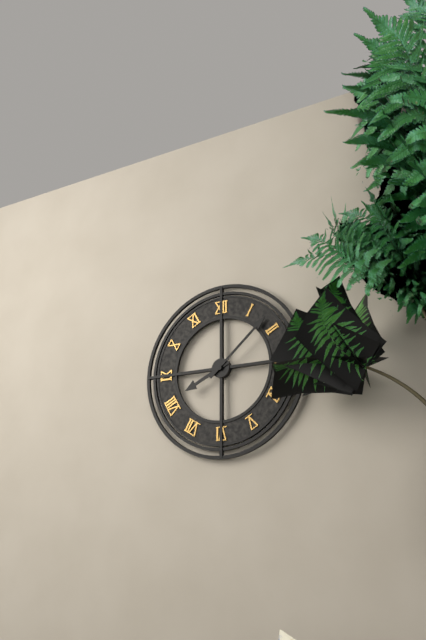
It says 8 h 08 min
